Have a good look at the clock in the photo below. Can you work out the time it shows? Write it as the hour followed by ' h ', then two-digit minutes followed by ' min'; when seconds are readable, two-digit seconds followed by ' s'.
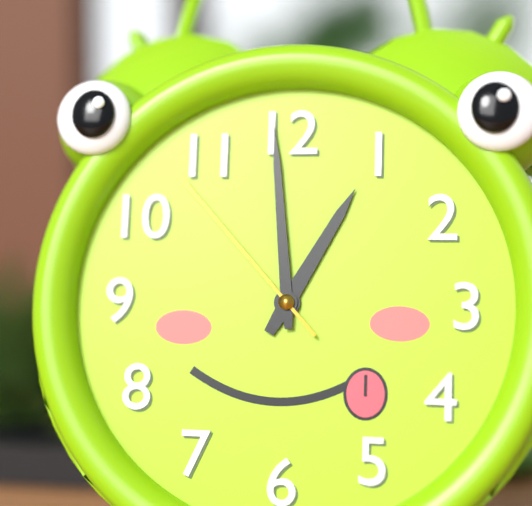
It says 12 h 59 min 53 s
